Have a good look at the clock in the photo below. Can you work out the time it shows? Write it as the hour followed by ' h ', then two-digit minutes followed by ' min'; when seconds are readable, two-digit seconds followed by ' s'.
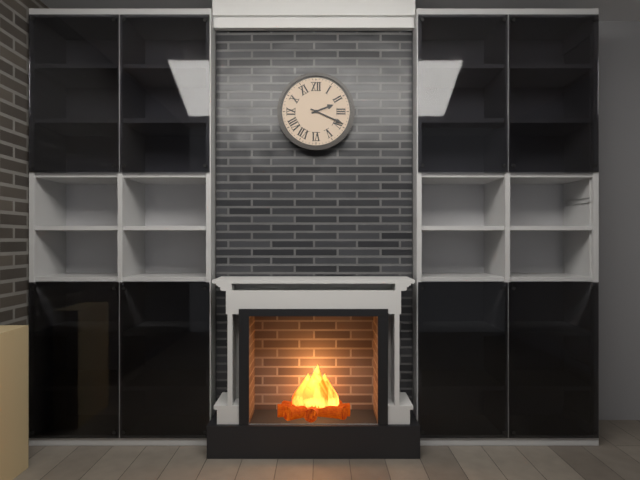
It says 2 h 19 min
